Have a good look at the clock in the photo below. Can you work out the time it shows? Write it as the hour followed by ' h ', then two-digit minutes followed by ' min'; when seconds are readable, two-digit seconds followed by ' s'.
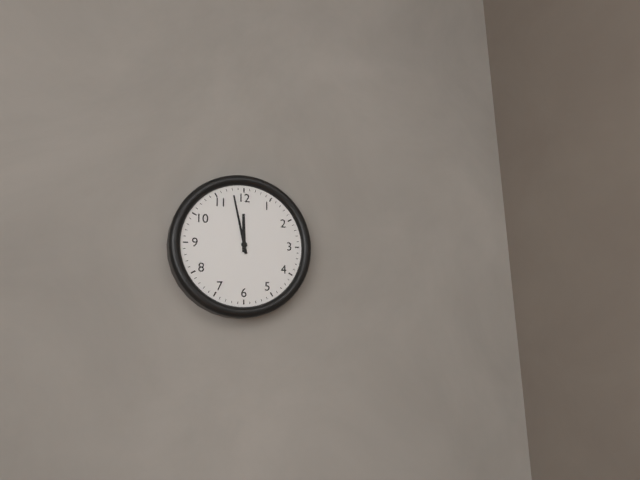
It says 11 h 58 min
